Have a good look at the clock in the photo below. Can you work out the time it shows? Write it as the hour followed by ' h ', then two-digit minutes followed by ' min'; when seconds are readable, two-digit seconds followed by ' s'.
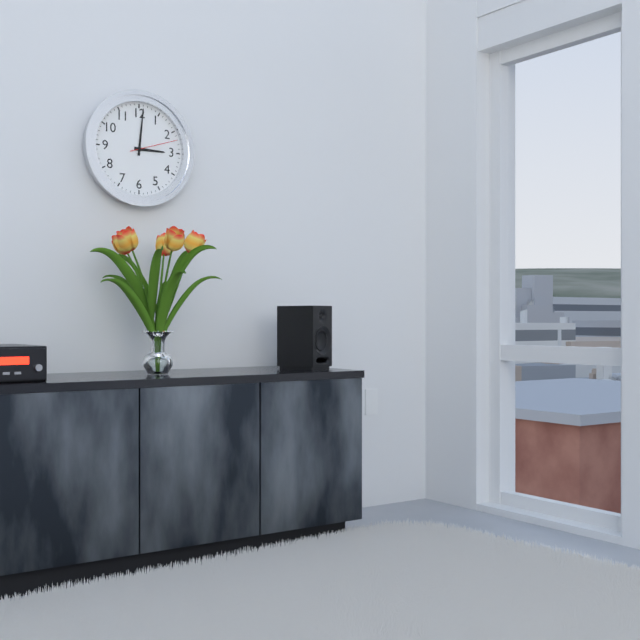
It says 3 h 01 min
